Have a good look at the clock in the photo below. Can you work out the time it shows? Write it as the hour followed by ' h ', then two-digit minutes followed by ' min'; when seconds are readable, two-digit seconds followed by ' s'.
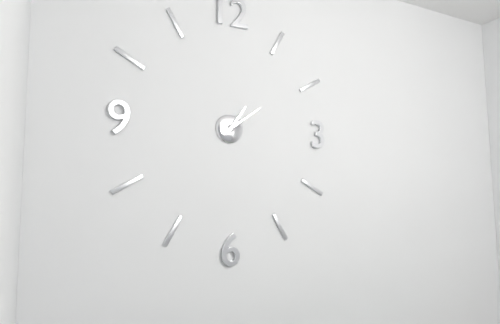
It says 1 h 09 min
